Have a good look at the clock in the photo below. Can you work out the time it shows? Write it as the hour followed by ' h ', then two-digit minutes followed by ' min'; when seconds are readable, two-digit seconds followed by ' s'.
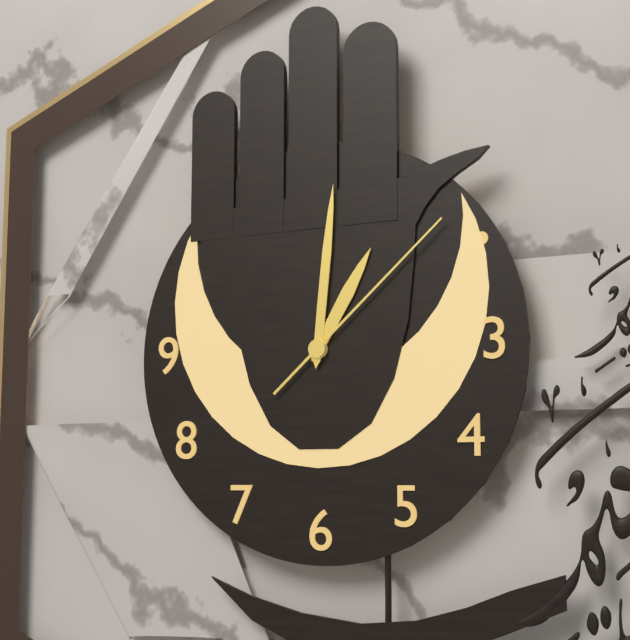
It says 1 h 01 min 08 s
